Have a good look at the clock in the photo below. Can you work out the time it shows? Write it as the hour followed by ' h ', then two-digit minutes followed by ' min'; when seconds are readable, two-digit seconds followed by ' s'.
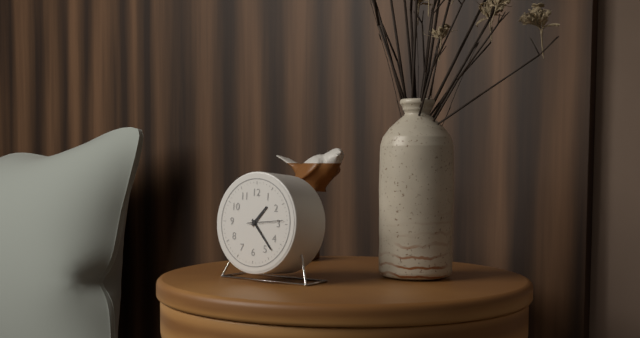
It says 1 h 23 min
